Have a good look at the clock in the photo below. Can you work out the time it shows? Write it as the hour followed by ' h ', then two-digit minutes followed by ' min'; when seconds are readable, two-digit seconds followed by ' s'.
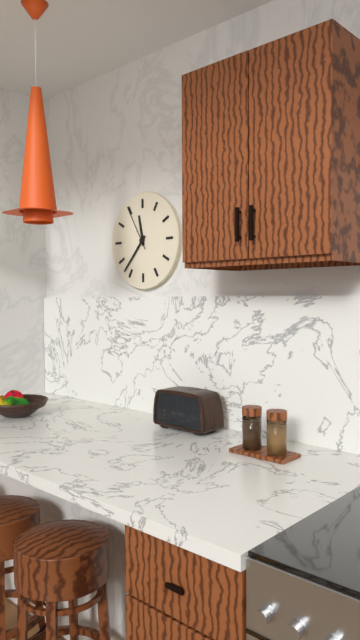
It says 11 h 37 min
